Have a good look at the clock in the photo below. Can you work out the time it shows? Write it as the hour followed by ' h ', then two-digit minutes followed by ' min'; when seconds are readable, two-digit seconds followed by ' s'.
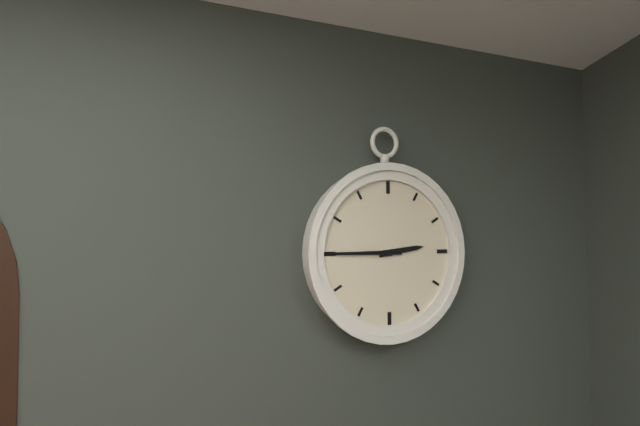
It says 2 h 45 min
